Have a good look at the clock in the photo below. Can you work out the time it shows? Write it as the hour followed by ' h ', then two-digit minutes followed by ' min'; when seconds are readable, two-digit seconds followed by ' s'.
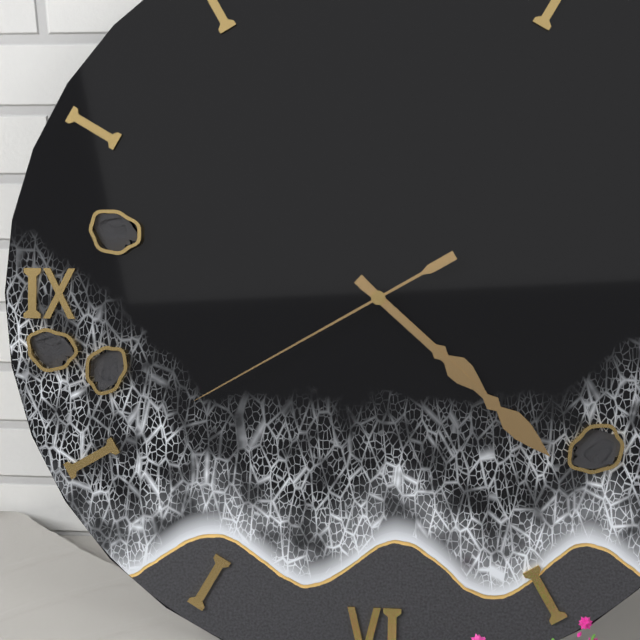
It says 4 h 22 min 40 s
